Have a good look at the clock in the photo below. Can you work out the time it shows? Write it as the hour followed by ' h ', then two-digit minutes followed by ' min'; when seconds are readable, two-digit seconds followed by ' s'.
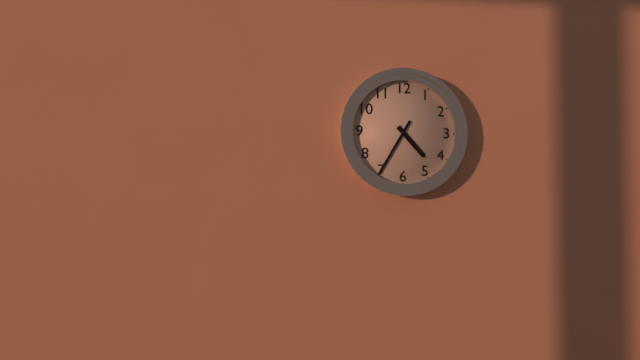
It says 4 h 35 min
